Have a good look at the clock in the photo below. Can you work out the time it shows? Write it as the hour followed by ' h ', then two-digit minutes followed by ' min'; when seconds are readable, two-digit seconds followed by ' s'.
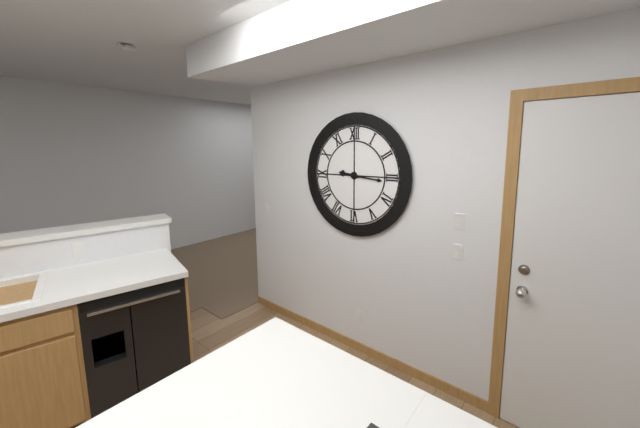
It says 9 h 16 min
